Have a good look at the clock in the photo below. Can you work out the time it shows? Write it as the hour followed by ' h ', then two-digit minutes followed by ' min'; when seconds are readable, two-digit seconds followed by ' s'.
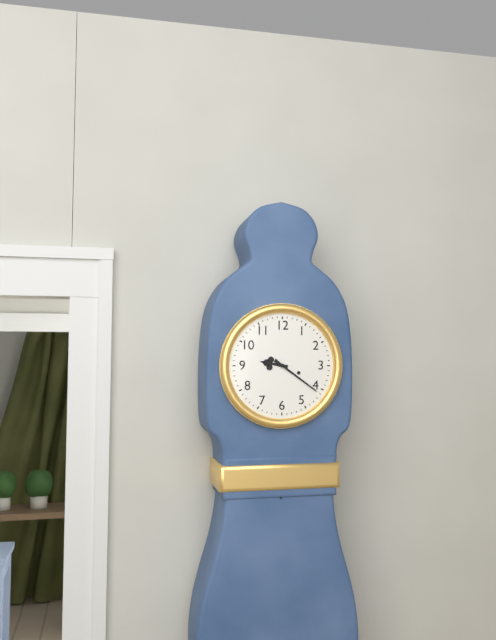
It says 9 h 21 min
